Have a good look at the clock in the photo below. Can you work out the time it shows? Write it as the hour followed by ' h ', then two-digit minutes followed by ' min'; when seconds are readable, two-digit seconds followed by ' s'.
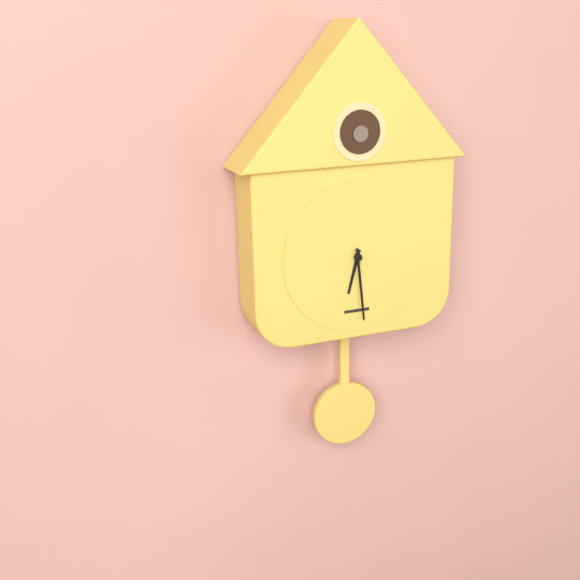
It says 6 h 29 min
